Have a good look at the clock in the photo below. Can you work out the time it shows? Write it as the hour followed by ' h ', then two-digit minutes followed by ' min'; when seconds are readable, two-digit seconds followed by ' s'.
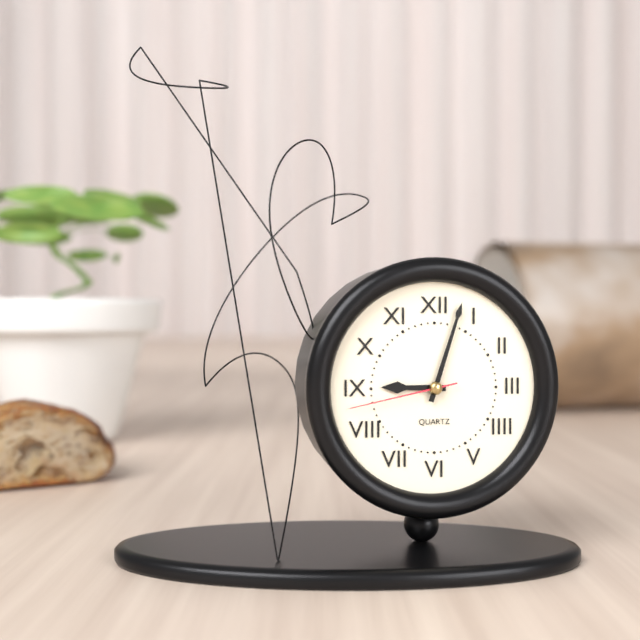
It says 9 h 03 min 43 s
